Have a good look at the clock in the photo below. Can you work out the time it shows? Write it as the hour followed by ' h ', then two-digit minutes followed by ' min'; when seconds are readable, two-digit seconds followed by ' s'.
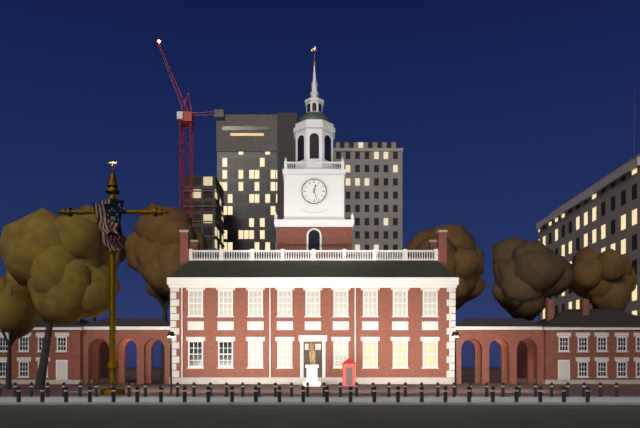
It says 12 h 27 min
